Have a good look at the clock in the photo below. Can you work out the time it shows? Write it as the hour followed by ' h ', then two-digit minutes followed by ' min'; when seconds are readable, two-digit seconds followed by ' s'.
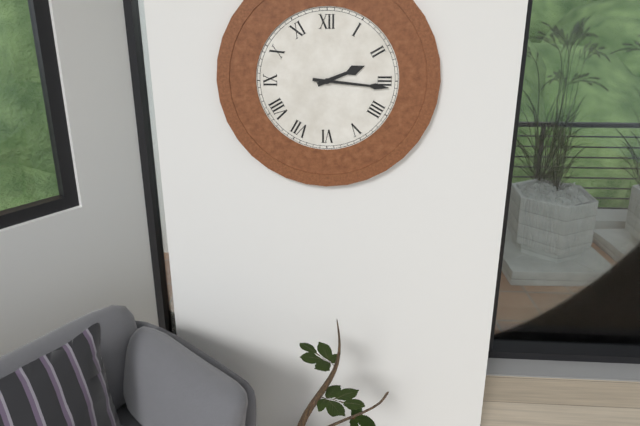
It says 2 h 16 min
